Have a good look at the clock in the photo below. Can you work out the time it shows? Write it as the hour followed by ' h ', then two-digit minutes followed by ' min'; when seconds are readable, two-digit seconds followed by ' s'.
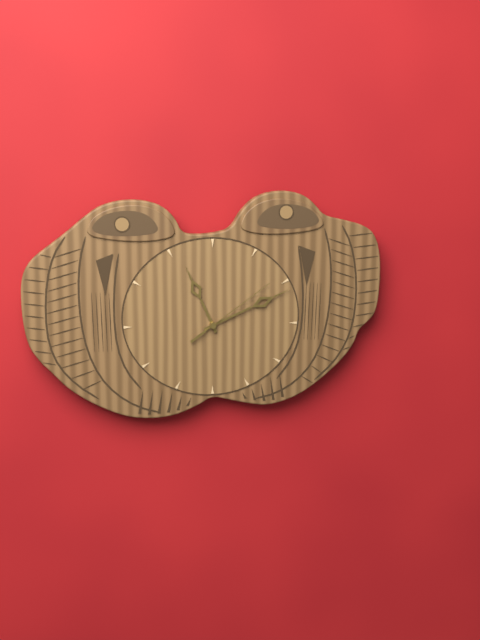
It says 11 h 11 min 09 s
